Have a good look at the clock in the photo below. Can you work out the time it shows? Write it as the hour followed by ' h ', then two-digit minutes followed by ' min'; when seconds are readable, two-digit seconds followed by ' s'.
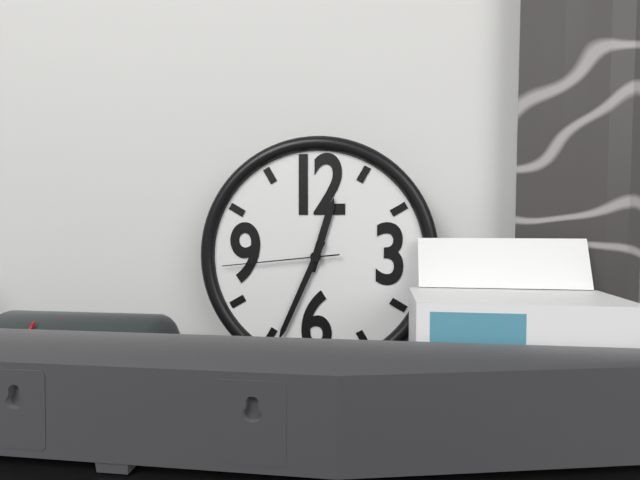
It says 12 h 34 min 44 s
